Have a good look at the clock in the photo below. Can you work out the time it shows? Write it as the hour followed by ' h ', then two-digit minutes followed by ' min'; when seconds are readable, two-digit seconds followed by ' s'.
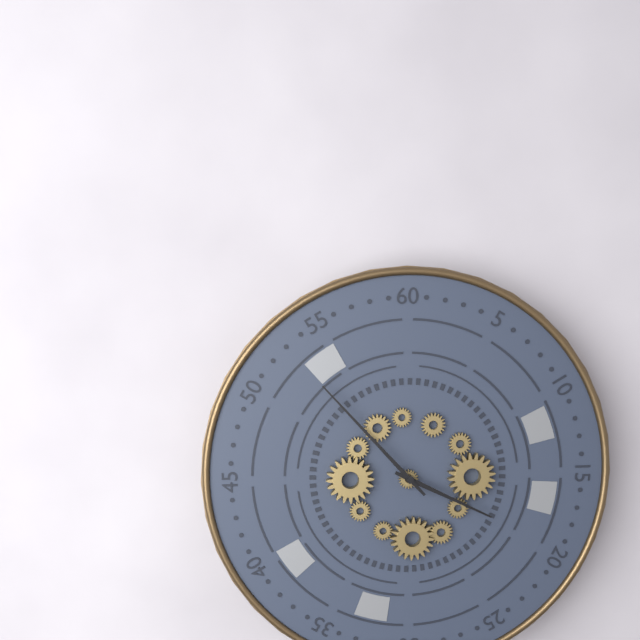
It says 3 h 53 min
